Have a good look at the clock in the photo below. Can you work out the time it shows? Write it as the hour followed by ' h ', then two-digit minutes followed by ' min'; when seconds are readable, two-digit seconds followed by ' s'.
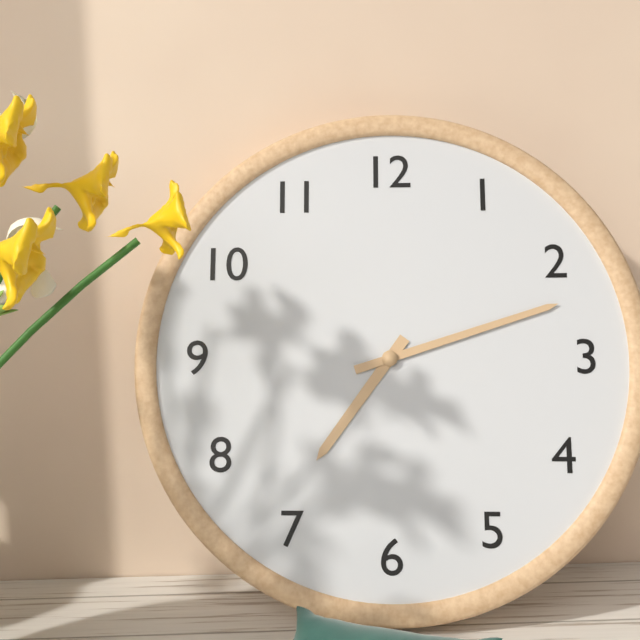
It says 7 h 12 min
